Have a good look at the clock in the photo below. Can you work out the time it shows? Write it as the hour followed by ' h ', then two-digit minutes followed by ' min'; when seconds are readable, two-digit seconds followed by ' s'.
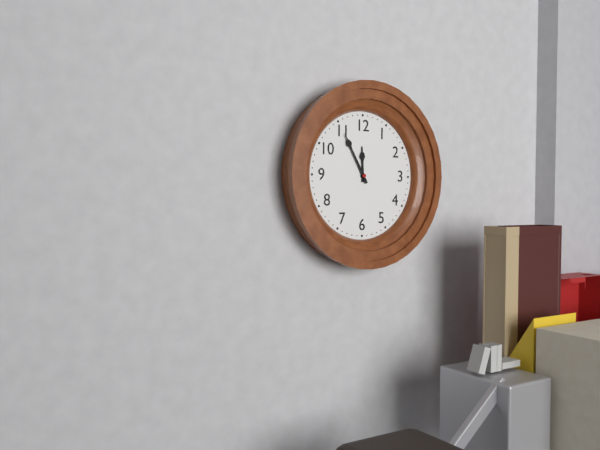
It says 11 h 55 min
